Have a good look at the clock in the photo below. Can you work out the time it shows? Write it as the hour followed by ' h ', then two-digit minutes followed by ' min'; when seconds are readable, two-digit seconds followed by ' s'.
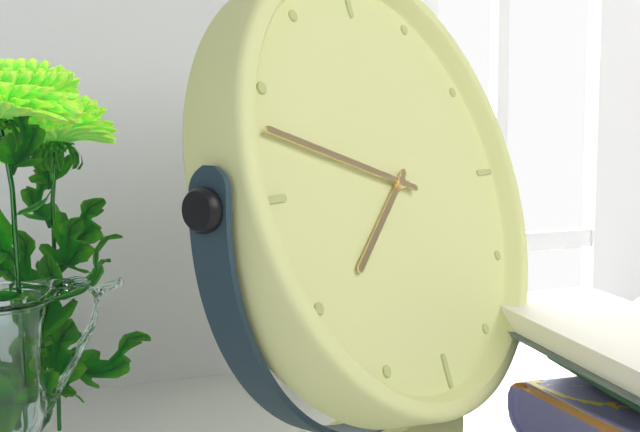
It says 7 h 48 min
